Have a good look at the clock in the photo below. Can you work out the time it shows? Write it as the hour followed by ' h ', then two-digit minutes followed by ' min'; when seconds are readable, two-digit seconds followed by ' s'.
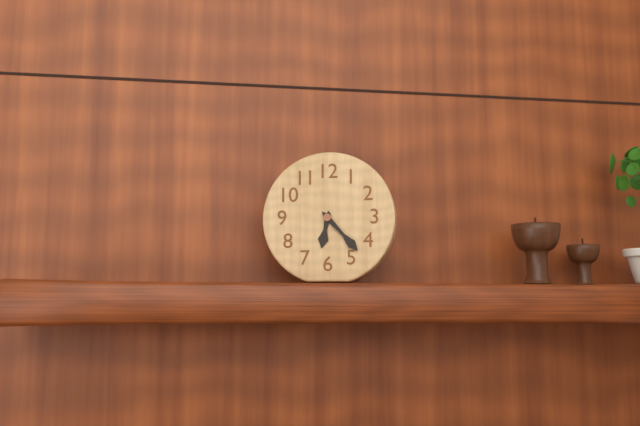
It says 6 h 23 min
